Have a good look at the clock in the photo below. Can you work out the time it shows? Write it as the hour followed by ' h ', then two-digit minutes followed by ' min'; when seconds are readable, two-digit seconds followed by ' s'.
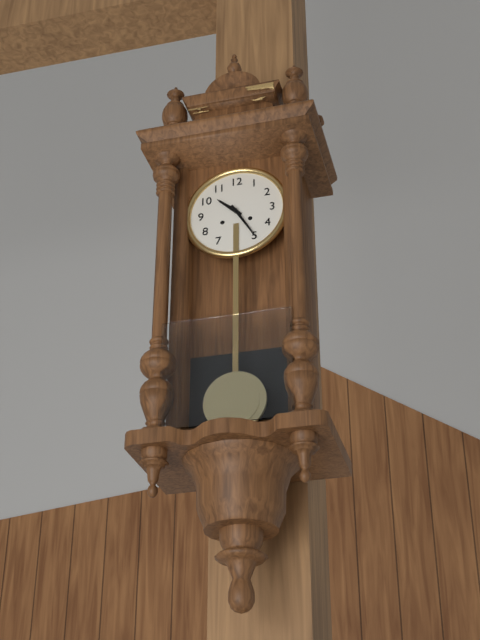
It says 10 h 25 min
